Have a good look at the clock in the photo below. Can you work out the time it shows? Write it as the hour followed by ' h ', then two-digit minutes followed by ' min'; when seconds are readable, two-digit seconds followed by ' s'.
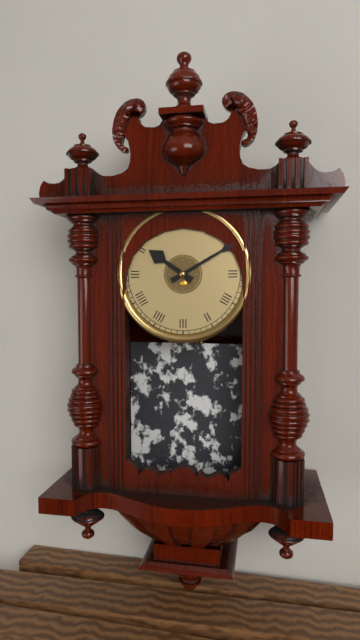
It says 10 h 10 min
